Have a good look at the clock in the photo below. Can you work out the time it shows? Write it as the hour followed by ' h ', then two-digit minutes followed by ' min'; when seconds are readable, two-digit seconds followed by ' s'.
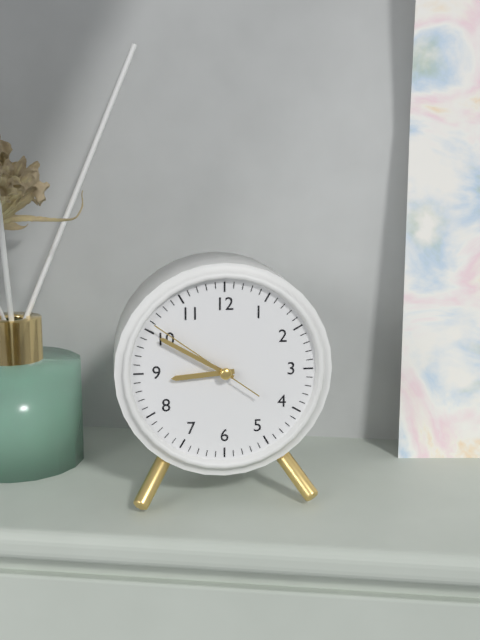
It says 8 h 50 min 51 s
